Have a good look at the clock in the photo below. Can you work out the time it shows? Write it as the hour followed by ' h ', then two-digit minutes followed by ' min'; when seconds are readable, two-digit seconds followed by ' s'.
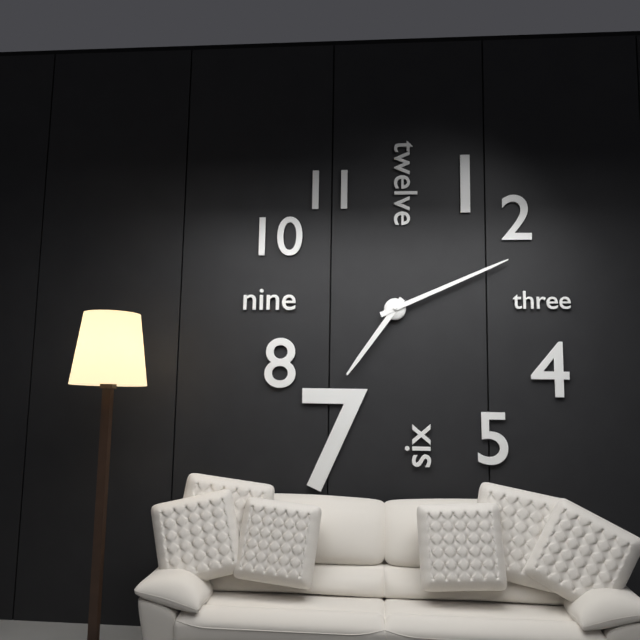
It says 7 h 11 min
